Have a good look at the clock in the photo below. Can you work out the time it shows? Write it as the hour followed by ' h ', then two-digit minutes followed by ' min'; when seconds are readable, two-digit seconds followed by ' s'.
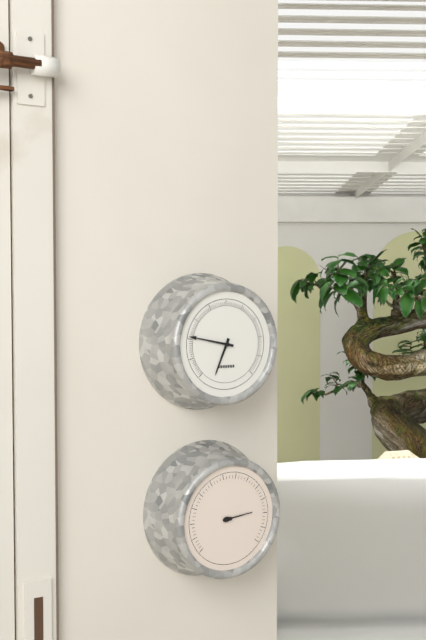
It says 6 h 47 min
